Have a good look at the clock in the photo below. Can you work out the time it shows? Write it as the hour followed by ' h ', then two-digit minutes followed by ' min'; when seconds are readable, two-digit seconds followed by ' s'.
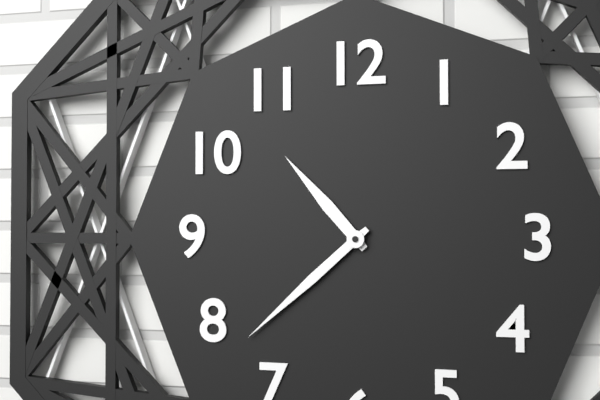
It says 10 h 38 min
